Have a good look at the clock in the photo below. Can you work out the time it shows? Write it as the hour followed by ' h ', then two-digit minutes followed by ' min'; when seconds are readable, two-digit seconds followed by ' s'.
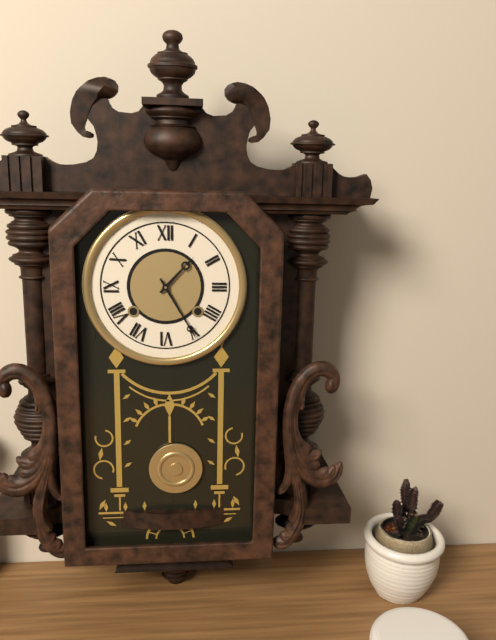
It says 1 h 25 min
